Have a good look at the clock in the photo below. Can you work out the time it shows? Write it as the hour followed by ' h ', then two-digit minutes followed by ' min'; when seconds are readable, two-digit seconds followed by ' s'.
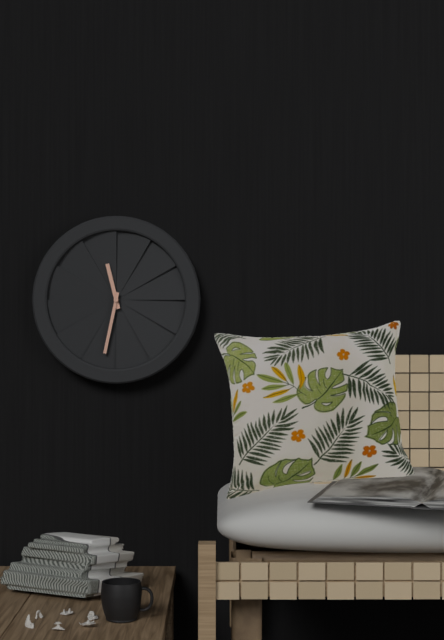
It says 11 h 32 min
